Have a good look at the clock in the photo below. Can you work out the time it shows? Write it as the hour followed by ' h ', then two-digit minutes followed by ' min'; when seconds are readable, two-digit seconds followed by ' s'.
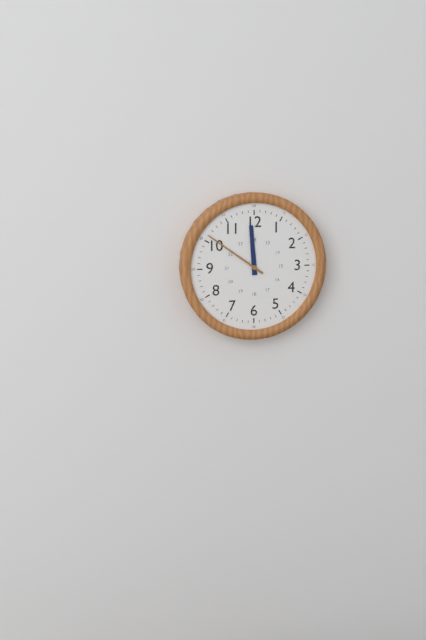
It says 11 h 51 min
